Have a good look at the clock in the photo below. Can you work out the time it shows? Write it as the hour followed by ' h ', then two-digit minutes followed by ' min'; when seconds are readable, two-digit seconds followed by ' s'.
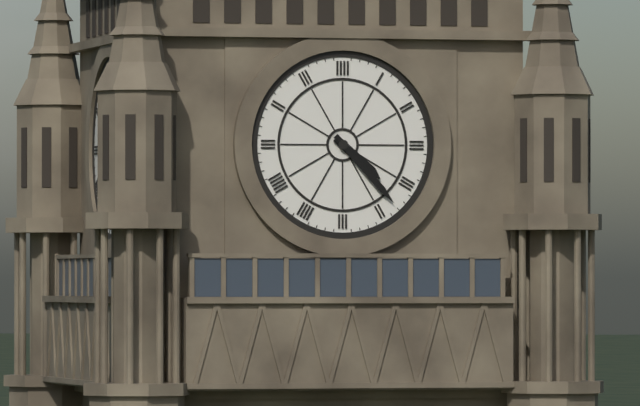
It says 4 h 23 min
